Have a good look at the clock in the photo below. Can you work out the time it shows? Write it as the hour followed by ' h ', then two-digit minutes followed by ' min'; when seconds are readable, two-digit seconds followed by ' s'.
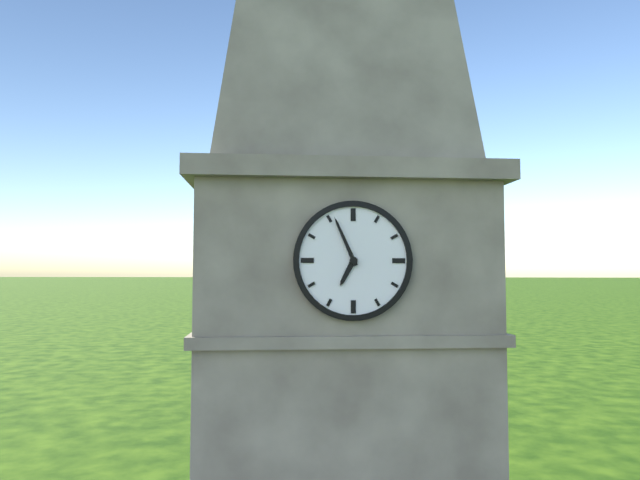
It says 6 h 56 min
